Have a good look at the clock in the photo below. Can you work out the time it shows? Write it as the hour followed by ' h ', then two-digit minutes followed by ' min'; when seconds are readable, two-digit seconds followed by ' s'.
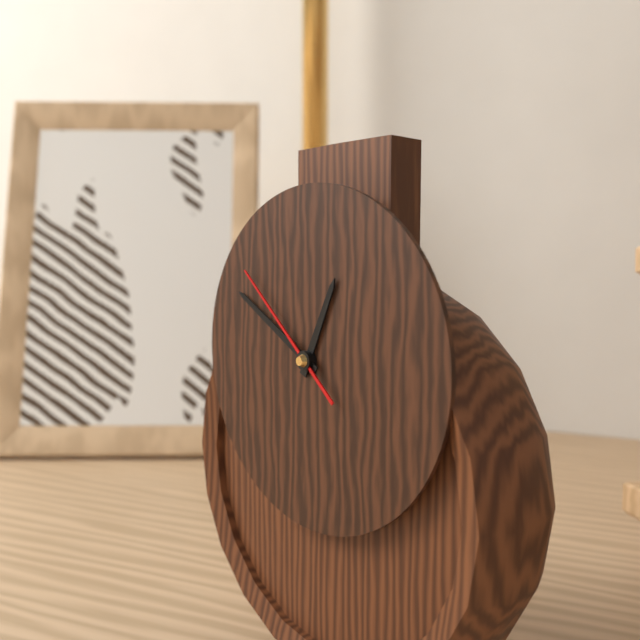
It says 12 h 50 min 52 s
